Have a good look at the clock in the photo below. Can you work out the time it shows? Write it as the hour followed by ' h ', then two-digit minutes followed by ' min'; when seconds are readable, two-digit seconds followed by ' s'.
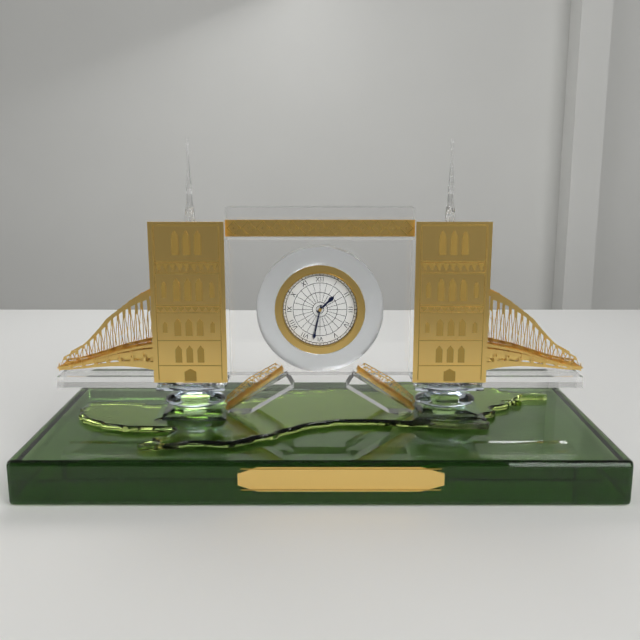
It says 1 h 32 min
